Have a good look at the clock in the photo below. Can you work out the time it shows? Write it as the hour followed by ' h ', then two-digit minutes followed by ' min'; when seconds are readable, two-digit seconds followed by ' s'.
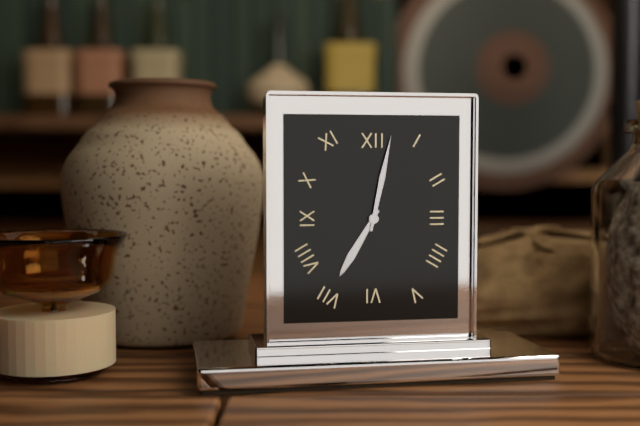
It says 7 h 02 min
